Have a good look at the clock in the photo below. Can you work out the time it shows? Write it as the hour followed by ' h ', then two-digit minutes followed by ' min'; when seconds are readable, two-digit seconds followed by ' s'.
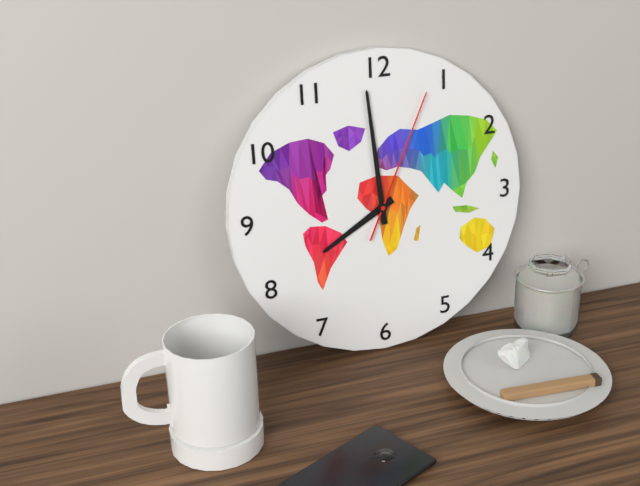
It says 7 h 59 min 04 s
